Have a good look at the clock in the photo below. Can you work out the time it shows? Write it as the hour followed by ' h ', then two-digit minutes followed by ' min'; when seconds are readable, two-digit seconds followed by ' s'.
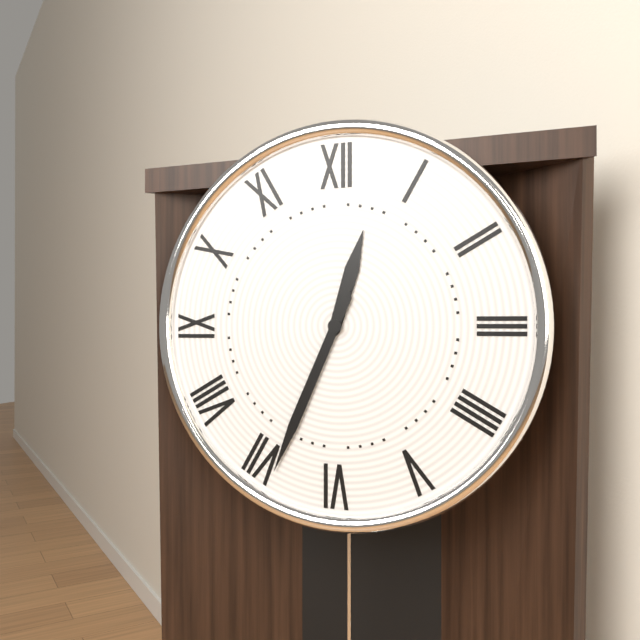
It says 12 h 34 min
